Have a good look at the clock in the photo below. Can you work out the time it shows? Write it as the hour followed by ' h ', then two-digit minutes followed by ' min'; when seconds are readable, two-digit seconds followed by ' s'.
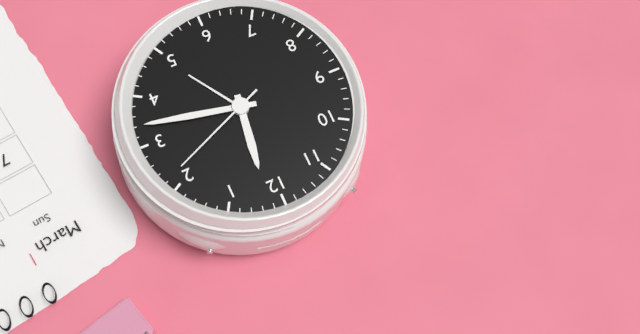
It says 12 h 17 min 11 s
